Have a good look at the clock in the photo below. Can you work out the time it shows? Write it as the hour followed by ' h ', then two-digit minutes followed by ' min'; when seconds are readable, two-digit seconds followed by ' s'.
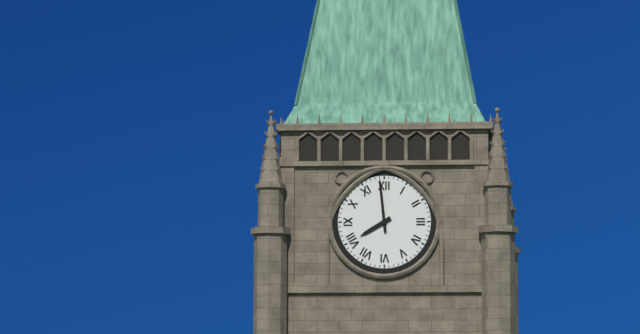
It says 7 h 59 min
